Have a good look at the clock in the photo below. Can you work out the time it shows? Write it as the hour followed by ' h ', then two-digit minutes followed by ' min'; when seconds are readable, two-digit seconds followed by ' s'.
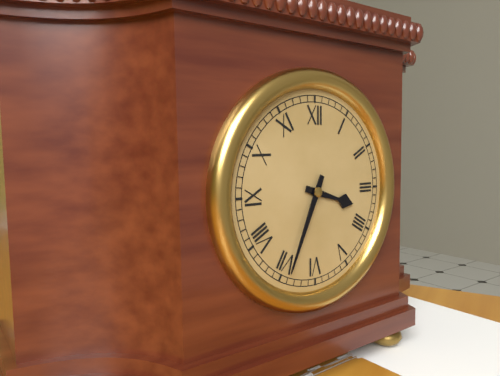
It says 3 h 34 min
